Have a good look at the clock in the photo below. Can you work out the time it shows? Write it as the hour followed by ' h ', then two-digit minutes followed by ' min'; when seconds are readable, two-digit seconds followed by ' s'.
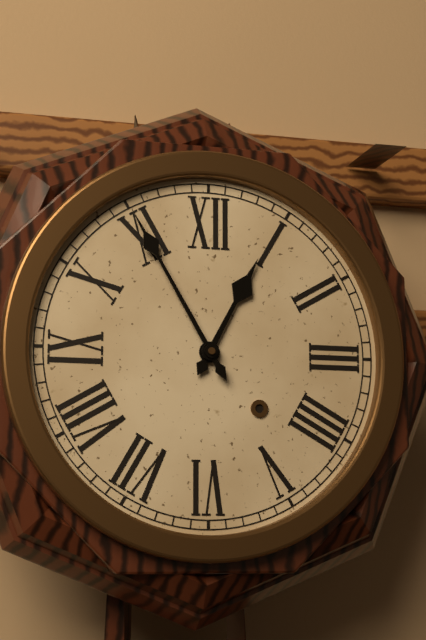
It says 12 h 55 min
